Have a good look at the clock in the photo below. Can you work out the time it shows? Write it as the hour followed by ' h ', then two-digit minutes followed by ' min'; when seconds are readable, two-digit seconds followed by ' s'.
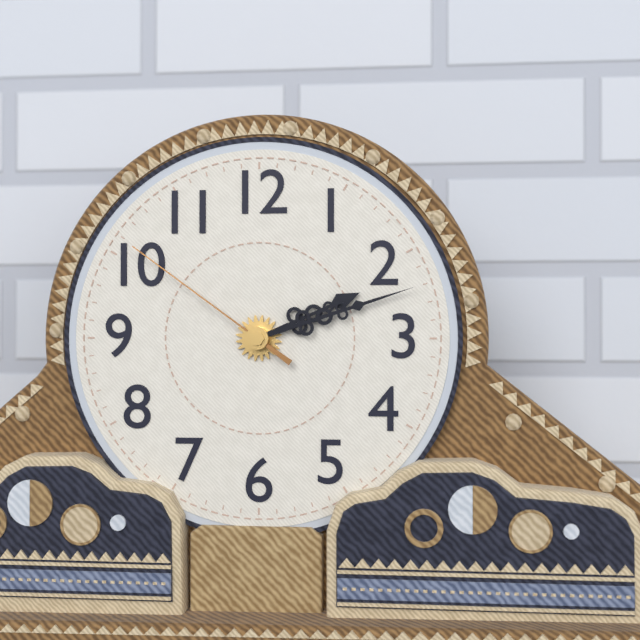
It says 2 h 12 min 51 s
